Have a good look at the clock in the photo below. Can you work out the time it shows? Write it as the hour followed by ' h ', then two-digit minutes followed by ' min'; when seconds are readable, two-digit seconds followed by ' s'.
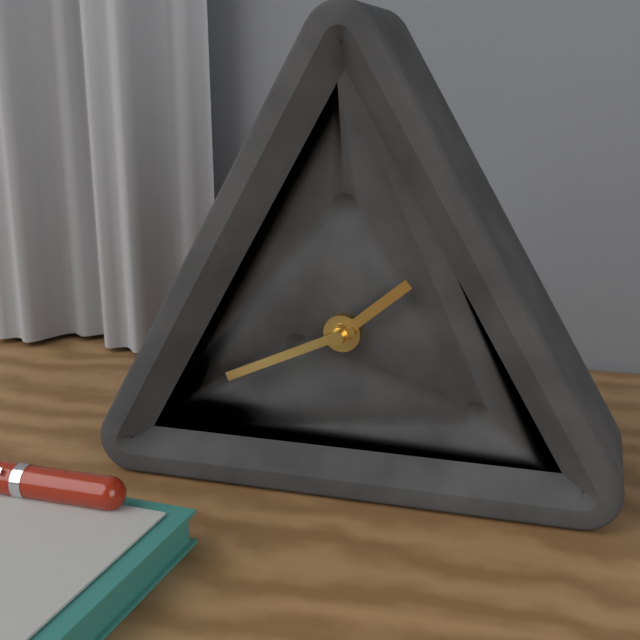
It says 1 h 41 min
